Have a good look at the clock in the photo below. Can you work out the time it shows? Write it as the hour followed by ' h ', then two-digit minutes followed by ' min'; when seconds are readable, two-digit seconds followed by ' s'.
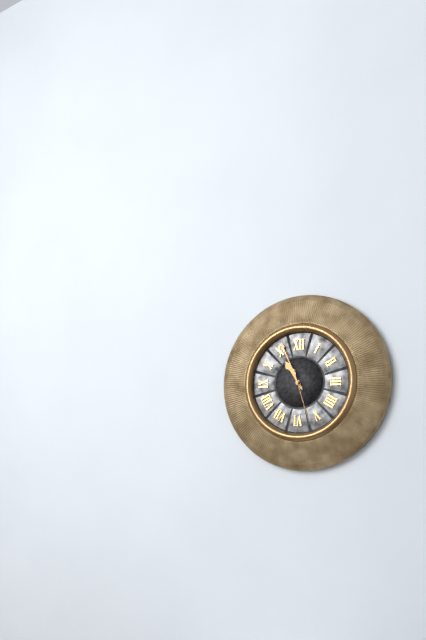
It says 10 h 56 min 27 s
